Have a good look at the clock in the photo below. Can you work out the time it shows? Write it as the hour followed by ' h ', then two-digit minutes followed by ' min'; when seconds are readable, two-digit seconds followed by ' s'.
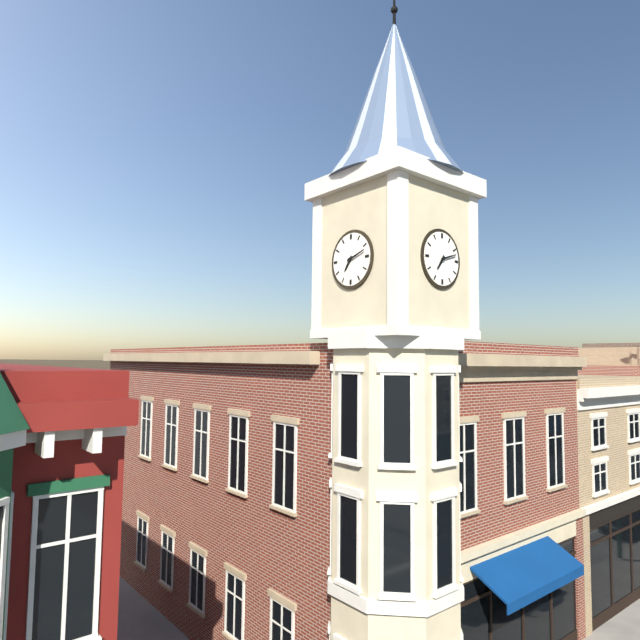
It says 7 h 12 min
